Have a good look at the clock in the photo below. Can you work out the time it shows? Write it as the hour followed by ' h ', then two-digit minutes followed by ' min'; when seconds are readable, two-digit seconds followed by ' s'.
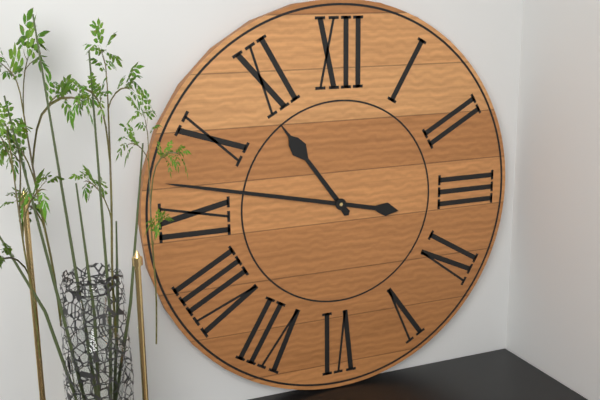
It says 10 h 47 min
